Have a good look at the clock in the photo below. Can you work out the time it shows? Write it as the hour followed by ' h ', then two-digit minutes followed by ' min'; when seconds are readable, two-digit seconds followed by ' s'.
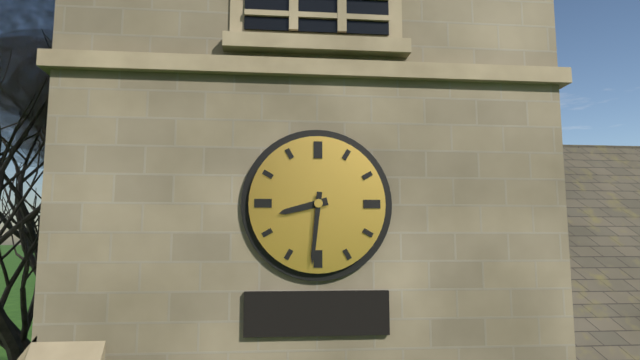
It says 8 h 31 min
